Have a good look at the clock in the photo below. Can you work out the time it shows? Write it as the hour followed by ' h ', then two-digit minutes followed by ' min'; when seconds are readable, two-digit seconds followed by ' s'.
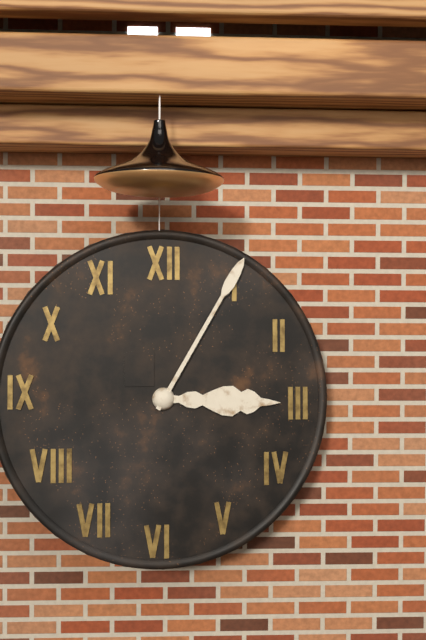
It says 3 h 05 min
